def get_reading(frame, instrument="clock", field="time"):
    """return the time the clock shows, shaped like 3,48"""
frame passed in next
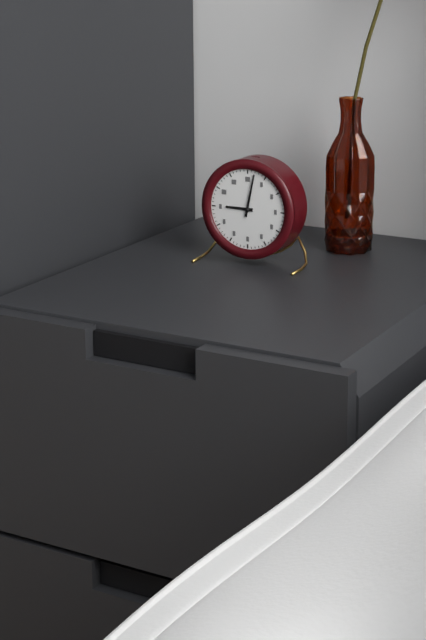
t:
9,02
